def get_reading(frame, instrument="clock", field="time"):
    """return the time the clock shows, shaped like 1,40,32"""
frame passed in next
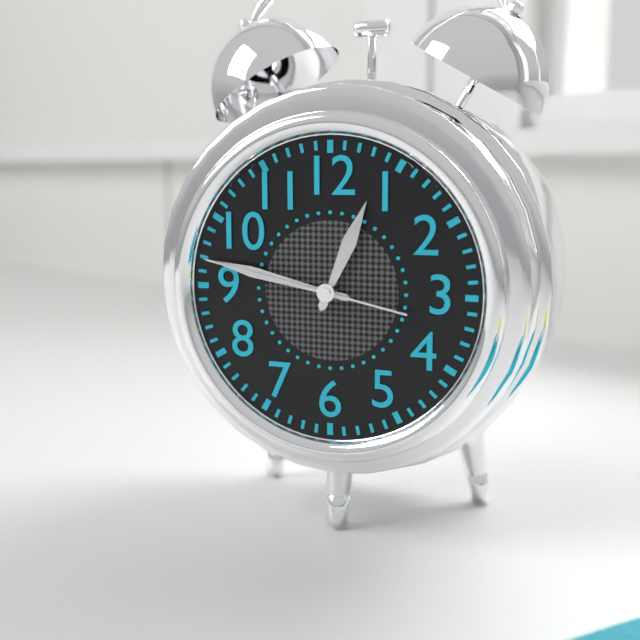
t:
12,47,47
